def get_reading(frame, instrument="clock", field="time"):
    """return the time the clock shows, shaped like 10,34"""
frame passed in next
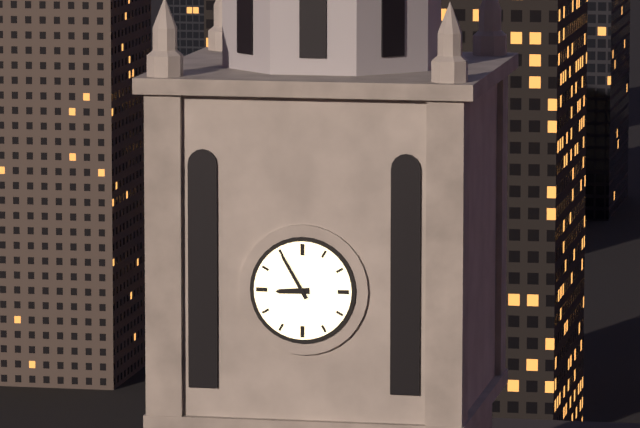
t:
8,55
